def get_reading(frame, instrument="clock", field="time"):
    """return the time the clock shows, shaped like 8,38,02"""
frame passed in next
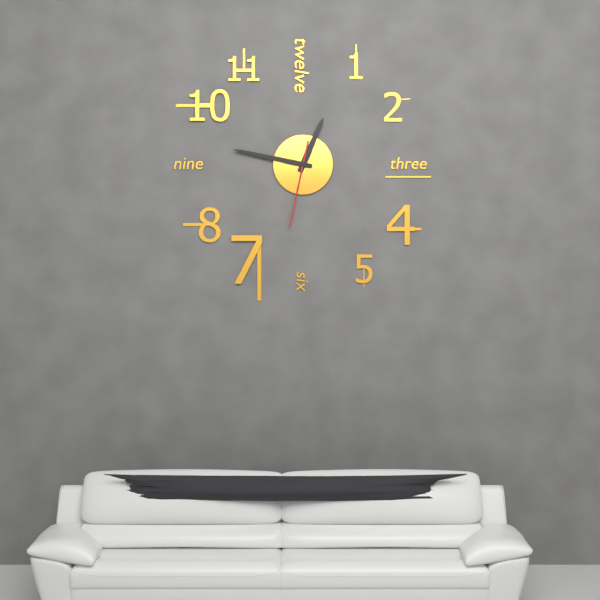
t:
12,47,32
